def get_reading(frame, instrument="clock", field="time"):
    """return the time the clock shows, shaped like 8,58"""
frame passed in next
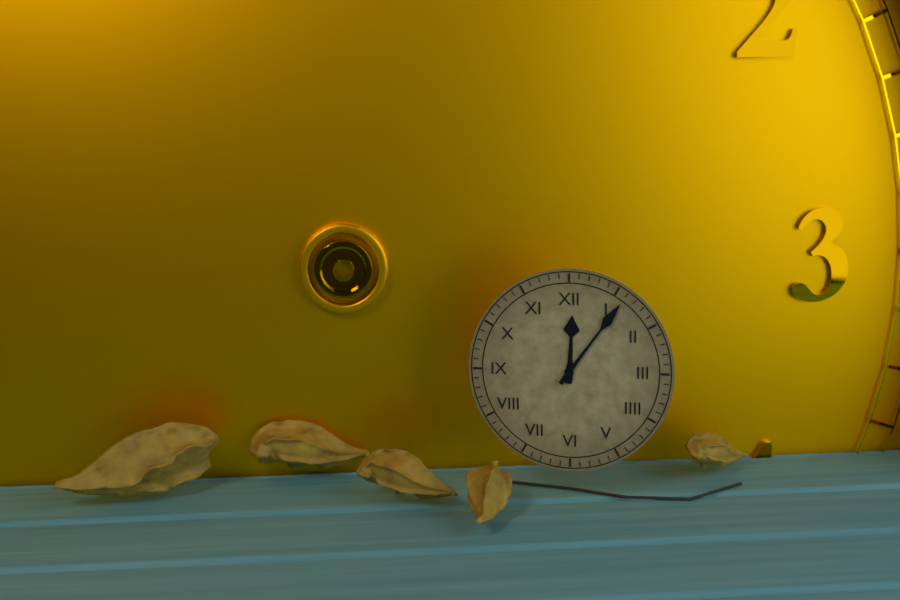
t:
12,06
